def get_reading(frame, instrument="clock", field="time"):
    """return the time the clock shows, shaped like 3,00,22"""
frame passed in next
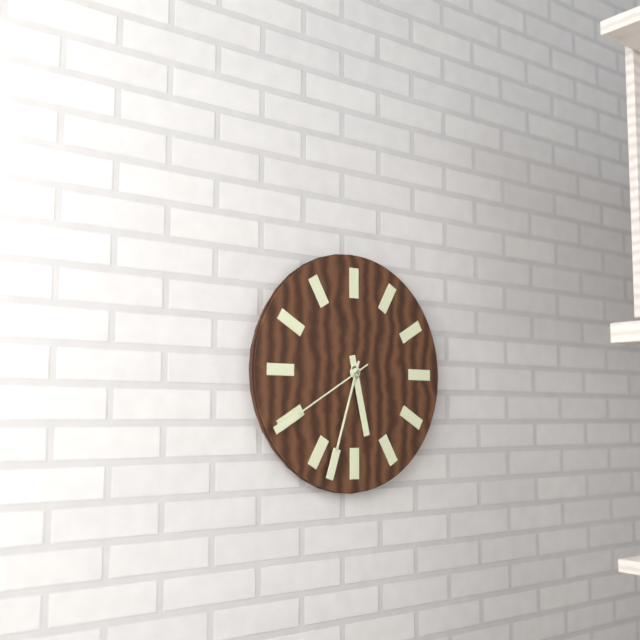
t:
5,33,40
